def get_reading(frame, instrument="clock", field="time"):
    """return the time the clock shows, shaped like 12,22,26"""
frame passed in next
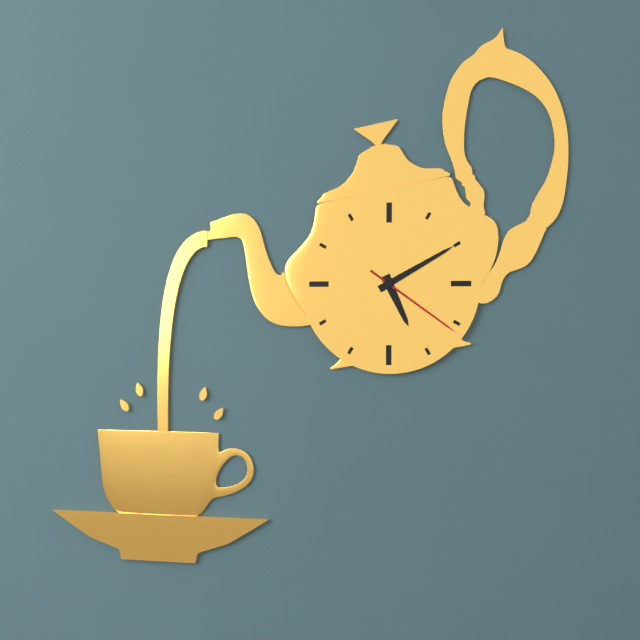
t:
5,10,21
